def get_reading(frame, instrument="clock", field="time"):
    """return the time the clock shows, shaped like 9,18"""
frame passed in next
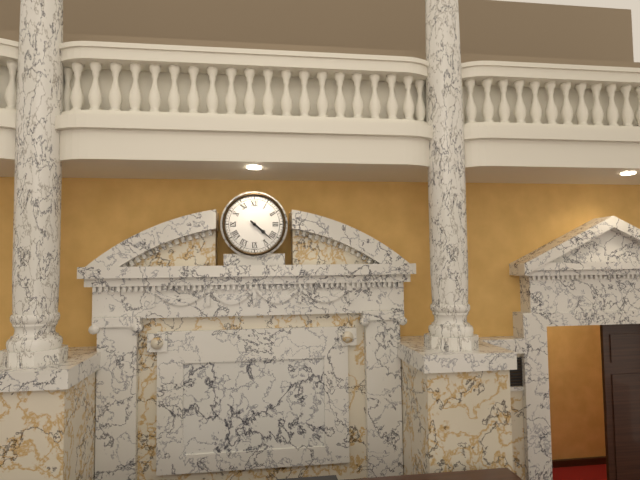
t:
4,22
